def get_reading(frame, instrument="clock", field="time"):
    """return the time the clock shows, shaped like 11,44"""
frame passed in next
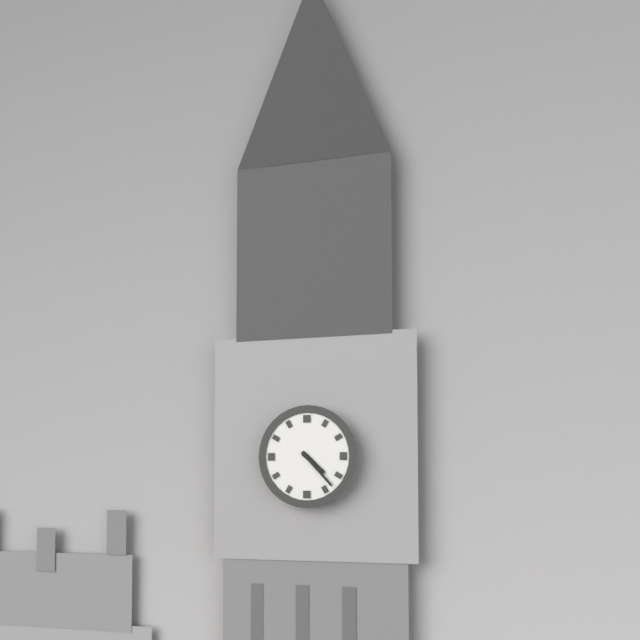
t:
4,23
